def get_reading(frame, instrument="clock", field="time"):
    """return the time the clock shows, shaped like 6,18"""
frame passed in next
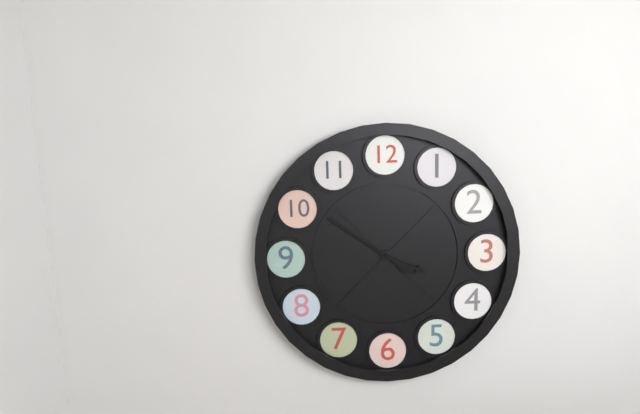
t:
3,51
